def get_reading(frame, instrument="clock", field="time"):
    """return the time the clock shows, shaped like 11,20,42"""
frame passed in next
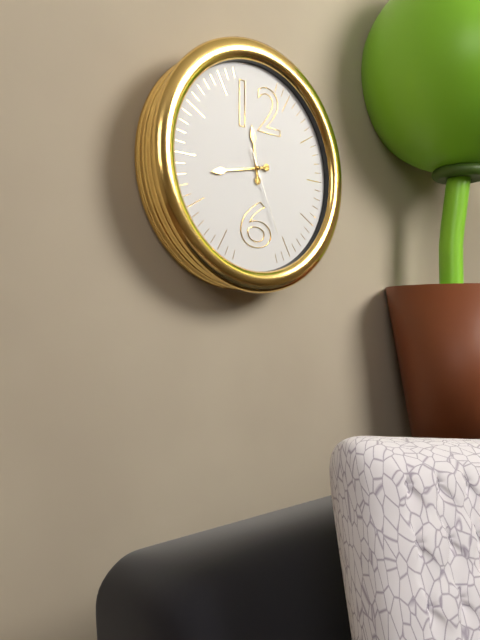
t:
11,43,26
